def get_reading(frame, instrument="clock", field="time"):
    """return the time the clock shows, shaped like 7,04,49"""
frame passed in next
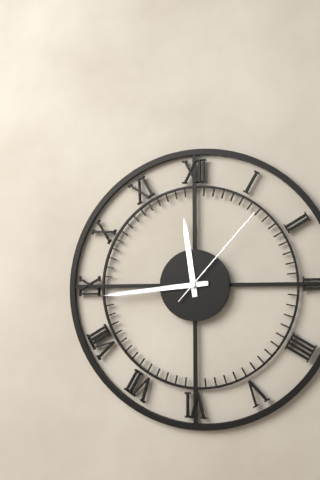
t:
11,44,07
